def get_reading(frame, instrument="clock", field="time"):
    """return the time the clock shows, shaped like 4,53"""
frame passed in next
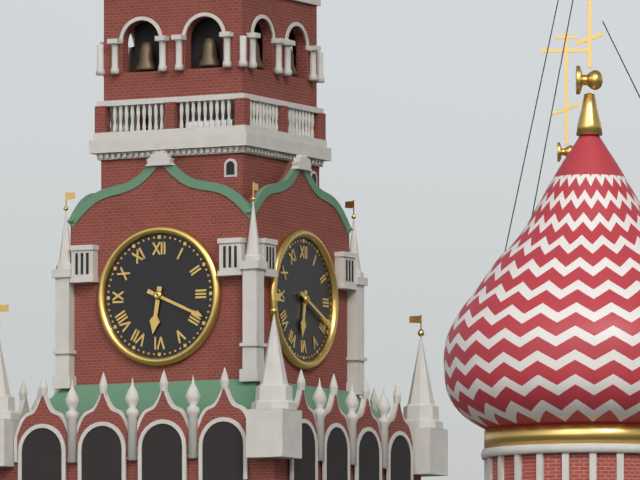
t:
6,19
